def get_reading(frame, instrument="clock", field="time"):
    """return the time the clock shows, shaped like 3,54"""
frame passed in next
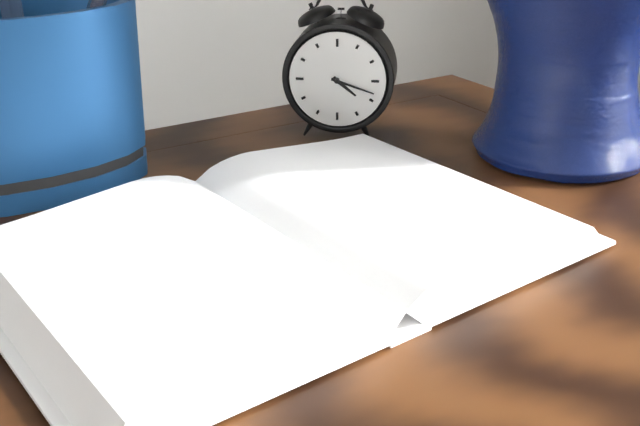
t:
4,18
